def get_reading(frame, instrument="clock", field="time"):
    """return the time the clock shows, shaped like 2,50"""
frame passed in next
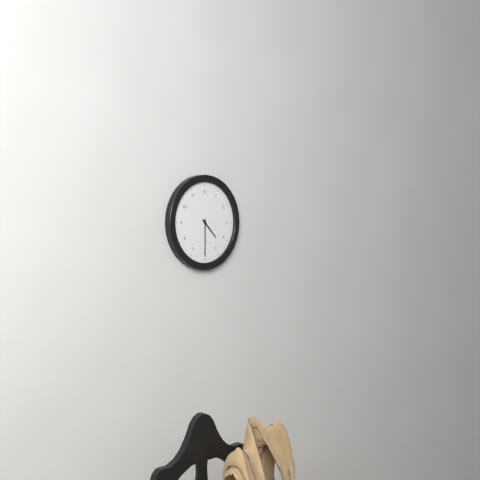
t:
4,30
